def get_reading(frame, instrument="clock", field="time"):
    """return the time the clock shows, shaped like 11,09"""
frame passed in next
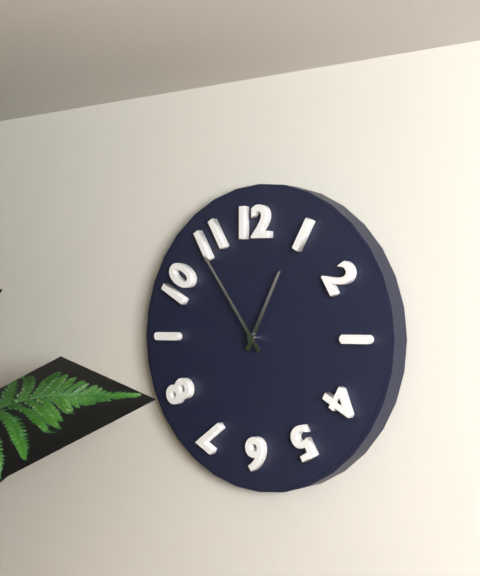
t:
12,54
